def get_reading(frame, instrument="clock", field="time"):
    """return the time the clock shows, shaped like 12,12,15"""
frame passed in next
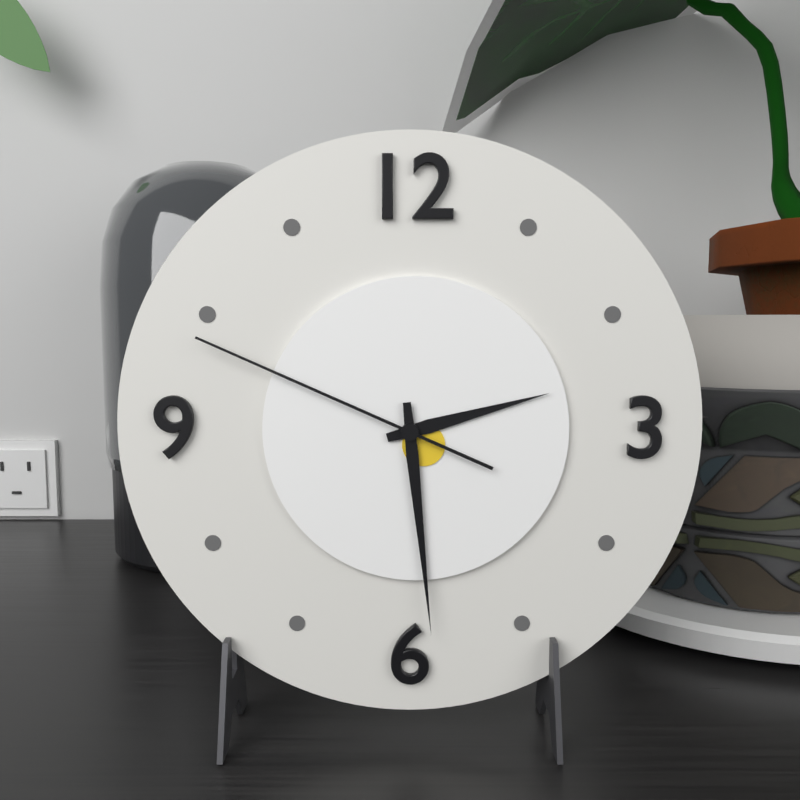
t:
2,29,49
